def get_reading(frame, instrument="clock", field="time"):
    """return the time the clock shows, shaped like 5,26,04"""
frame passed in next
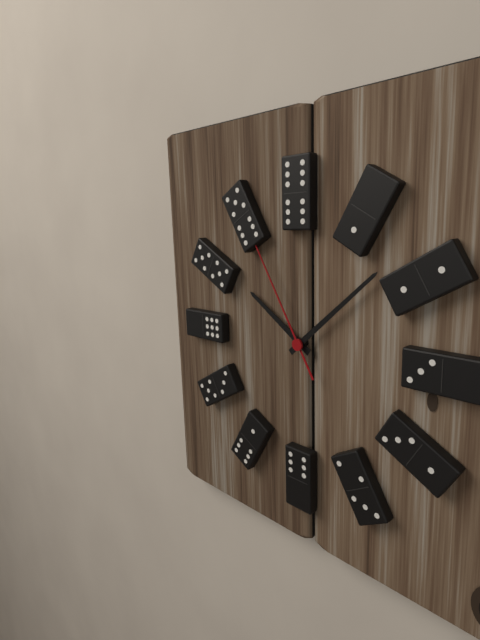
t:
10,08,55
